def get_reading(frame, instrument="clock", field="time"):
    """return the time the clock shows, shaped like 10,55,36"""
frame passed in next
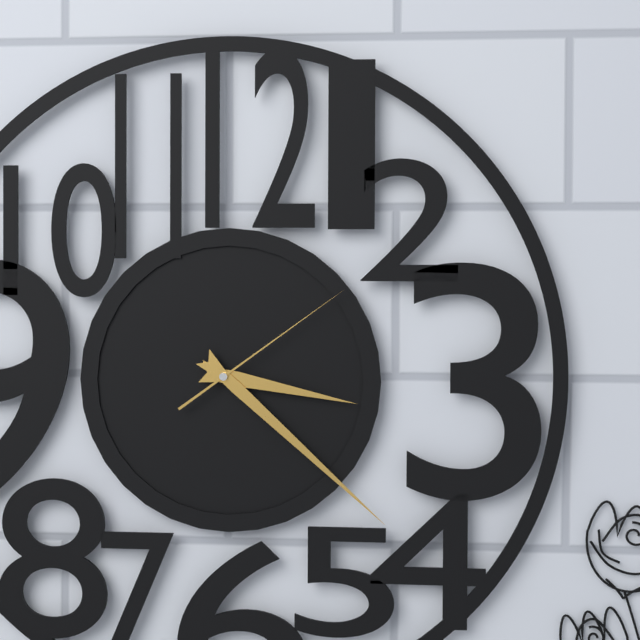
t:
3,22,09
